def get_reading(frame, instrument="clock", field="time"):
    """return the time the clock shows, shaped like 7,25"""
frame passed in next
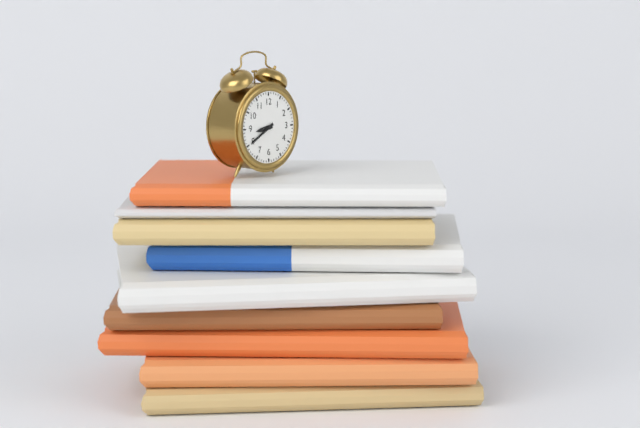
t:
8,40
